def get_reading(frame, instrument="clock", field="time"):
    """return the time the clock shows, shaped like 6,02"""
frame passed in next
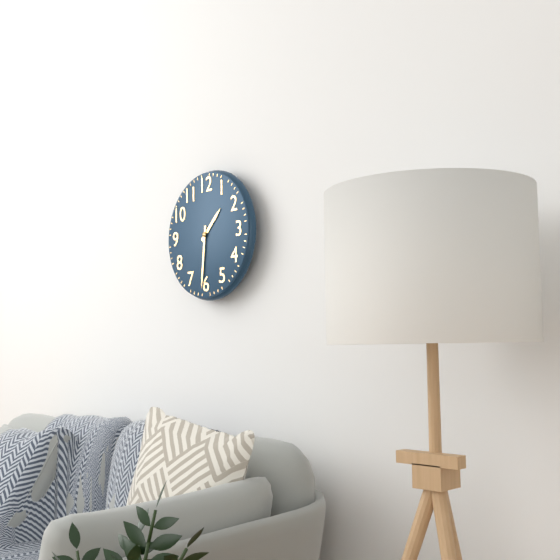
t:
1,31
